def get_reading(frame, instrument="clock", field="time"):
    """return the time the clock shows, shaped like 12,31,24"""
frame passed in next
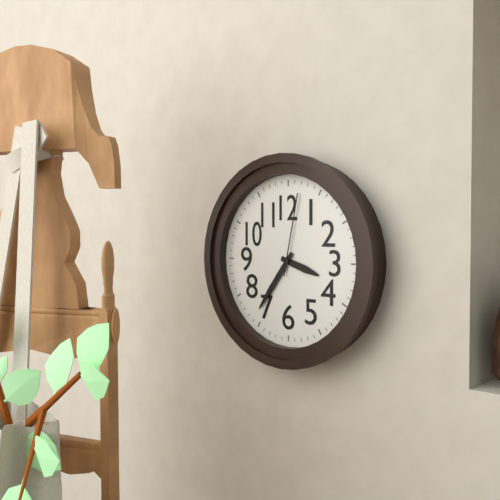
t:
3,36,02
